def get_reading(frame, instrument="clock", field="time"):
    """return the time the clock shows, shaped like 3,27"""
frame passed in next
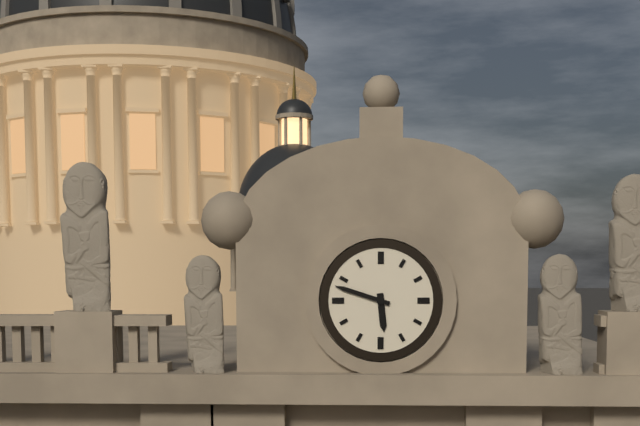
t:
5,48
